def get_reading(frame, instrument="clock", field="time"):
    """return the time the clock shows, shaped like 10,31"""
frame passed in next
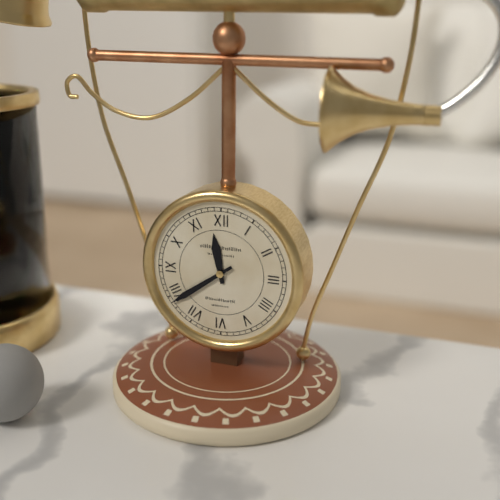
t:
11,39
